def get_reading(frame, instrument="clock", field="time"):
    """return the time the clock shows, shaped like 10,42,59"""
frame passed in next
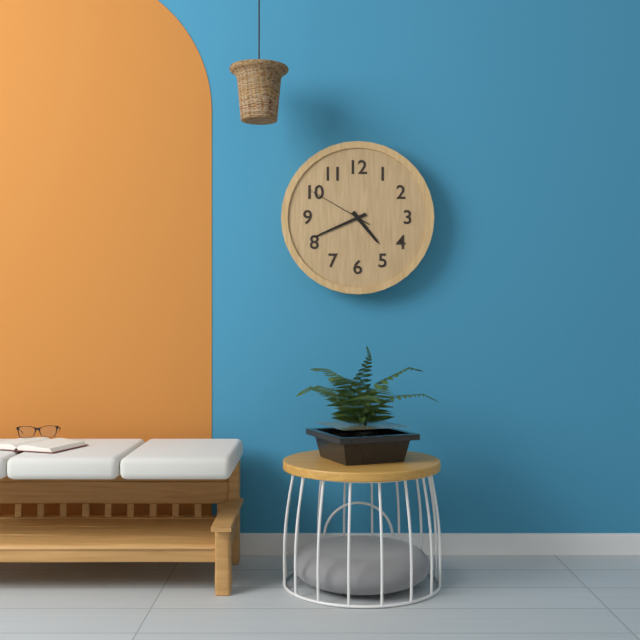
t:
4,41,50
